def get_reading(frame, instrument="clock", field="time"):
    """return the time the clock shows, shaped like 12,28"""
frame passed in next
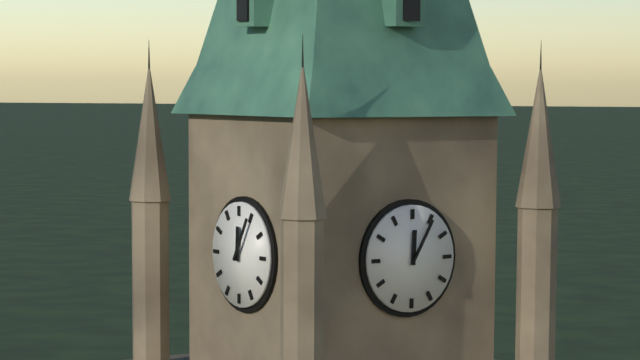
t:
12,05
